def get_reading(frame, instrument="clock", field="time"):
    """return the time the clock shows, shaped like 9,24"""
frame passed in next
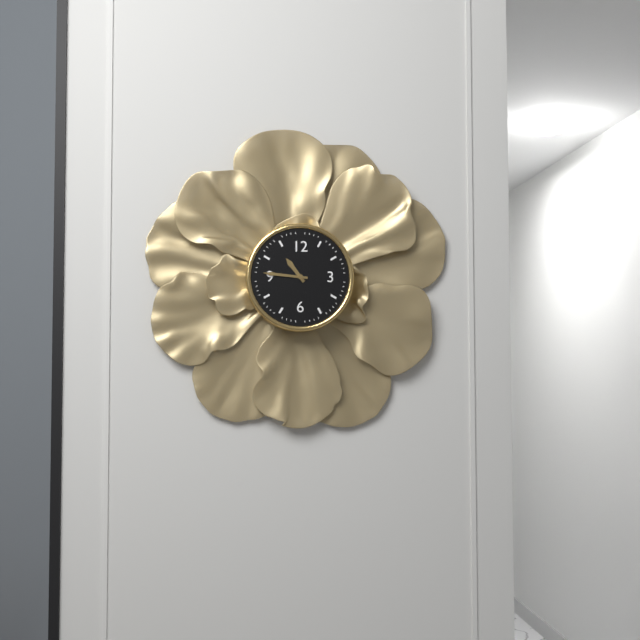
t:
10,46
